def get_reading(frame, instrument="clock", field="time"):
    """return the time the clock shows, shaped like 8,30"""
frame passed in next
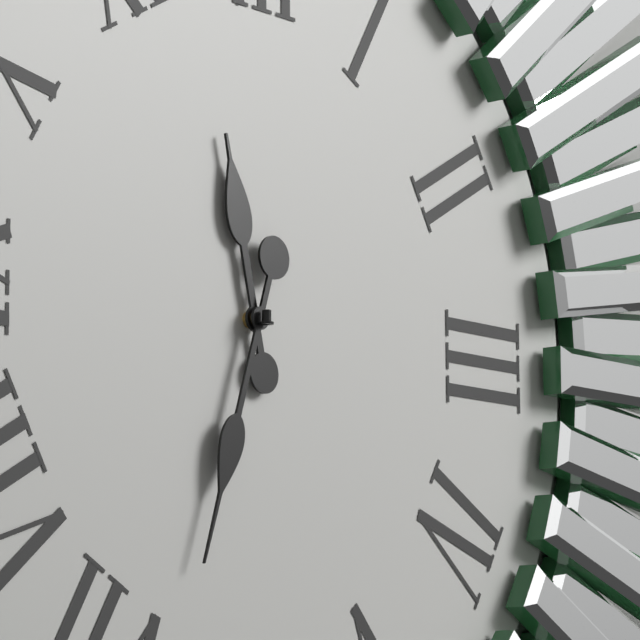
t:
11,33
